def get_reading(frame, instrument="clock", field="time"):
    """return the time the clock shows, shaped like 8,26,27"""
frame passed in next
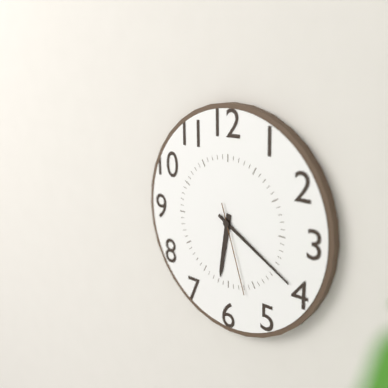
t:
6,20,27
